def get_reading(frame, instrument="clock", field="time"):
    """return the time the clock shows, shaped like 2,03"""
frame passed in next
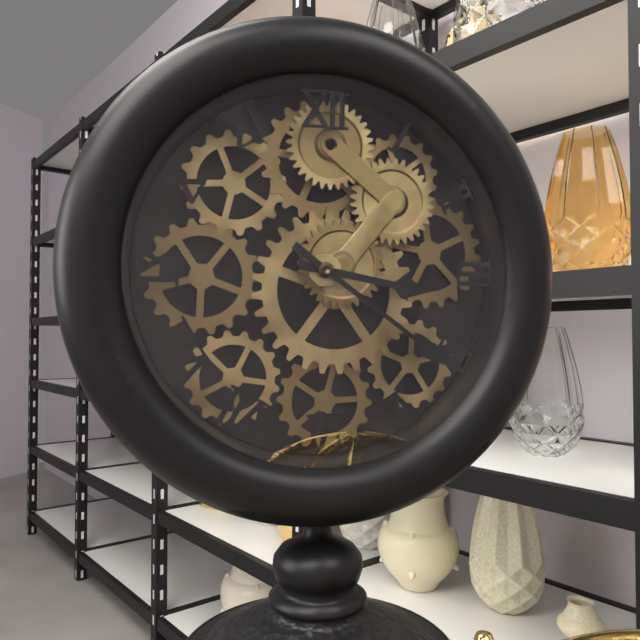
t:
3,21
